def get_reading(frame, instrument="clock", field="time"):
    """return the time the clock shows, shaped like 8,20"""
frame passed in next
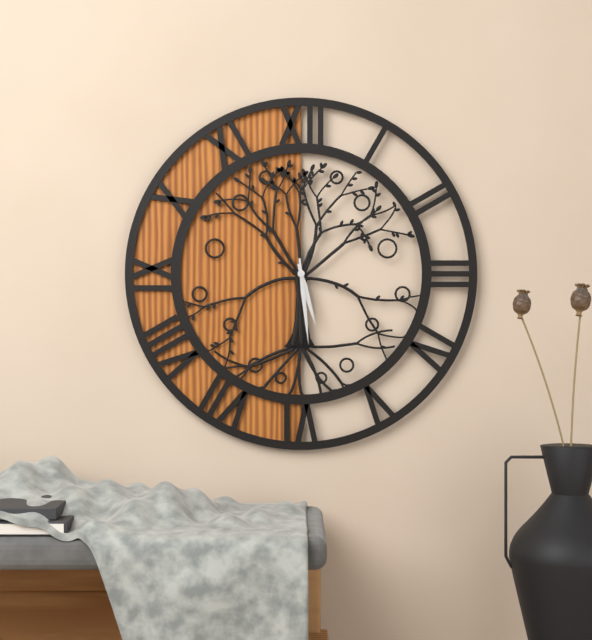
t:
5,29
